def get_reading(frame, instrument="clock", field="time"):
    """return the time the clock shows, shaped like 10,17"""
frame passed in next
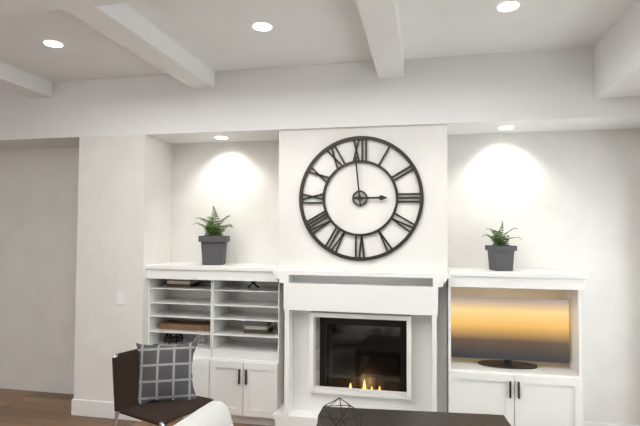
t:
2,59
